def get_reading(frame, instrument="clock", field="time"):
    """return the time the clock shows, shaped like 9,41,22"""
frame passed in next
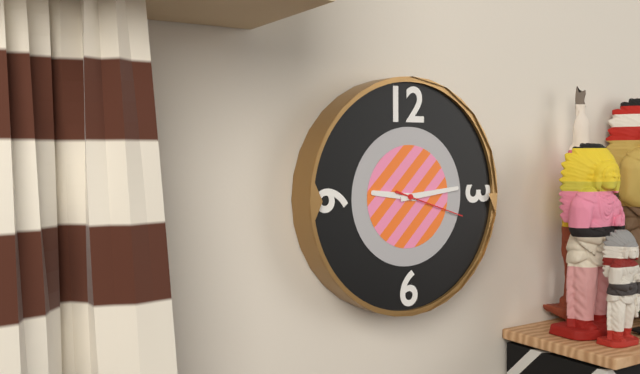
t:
9,14,18
